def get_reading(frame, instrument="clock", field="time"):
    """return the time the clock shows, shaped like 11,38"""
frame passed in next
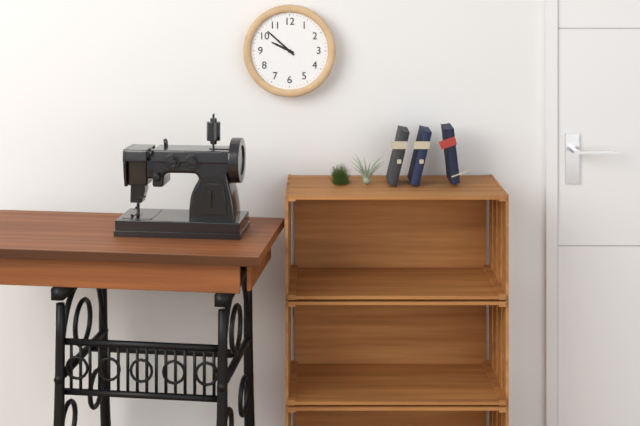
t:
9,52
